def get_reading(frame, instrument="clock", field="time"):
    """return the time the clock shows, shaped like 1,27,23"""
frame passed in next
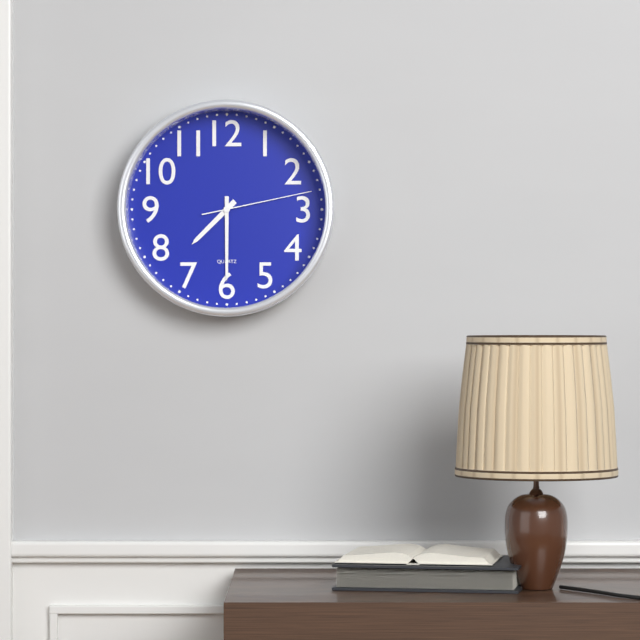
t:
7,30,13
